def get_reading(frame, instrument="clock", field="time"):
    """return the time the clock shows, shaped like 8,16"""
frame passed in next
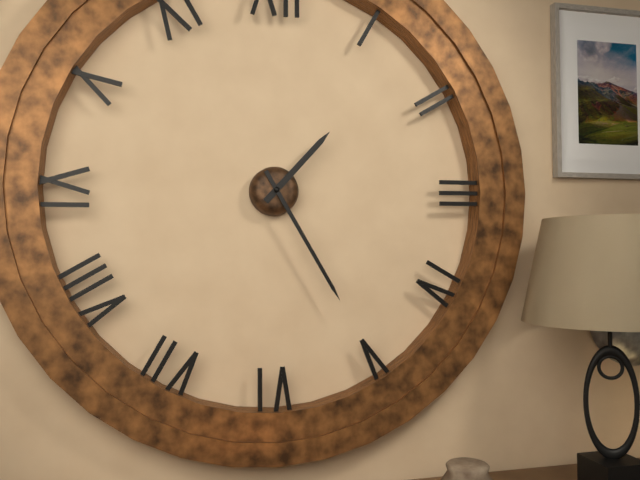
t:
1,25
